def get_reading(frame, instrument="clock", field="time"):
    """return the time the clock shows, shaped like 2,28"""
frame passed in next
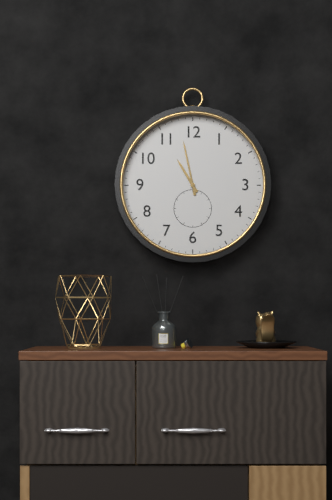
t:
10,58
